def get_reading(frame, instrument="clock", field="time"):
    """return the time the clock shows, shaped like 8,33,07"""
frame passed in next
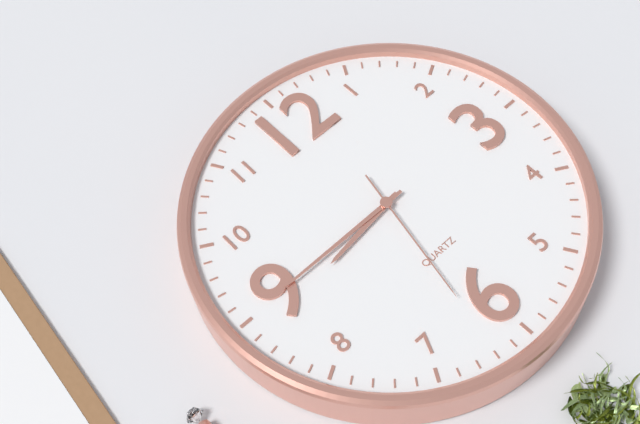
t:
8,45,32
